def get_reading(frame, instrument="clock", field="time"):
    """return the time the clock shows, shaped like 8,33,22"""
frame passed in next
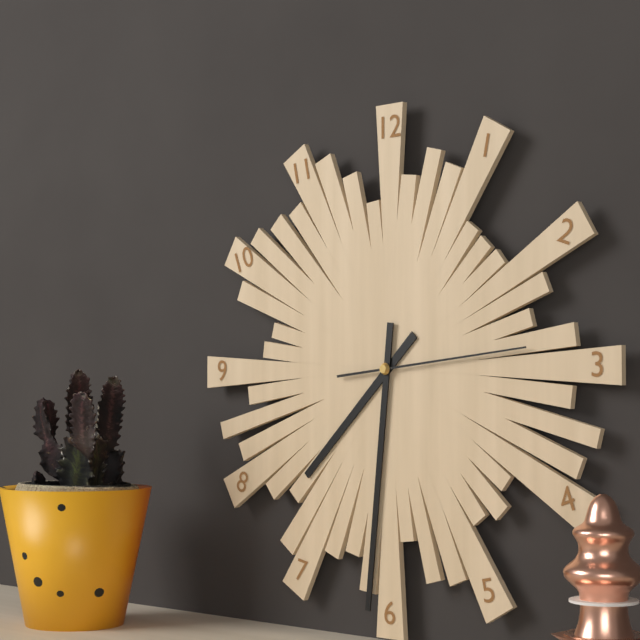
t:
7,31,14
